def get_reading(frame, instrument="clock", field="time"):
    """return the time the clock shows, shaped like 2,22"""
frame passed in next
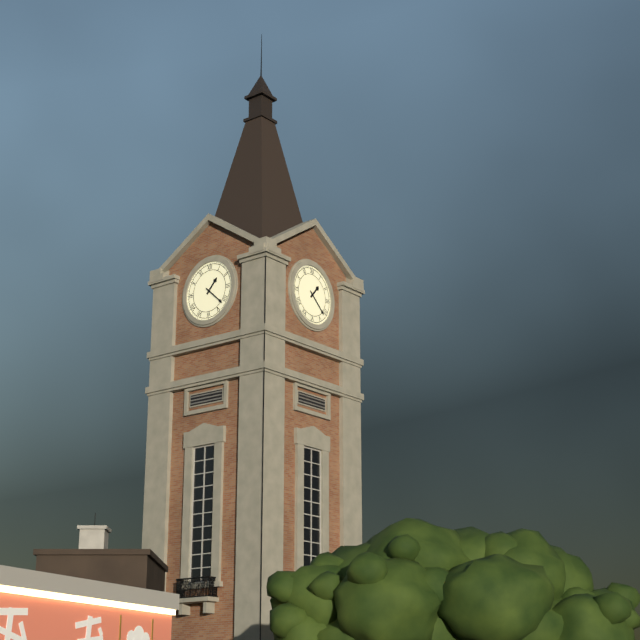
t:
1,22
